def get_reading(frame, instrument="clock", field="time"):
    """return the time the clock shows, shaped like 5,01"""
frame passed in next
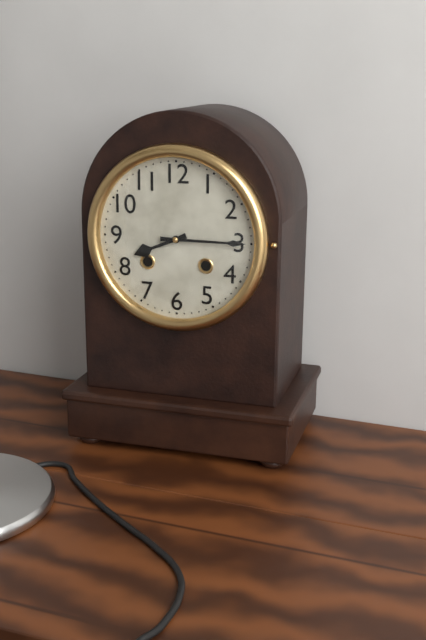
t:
8,15
